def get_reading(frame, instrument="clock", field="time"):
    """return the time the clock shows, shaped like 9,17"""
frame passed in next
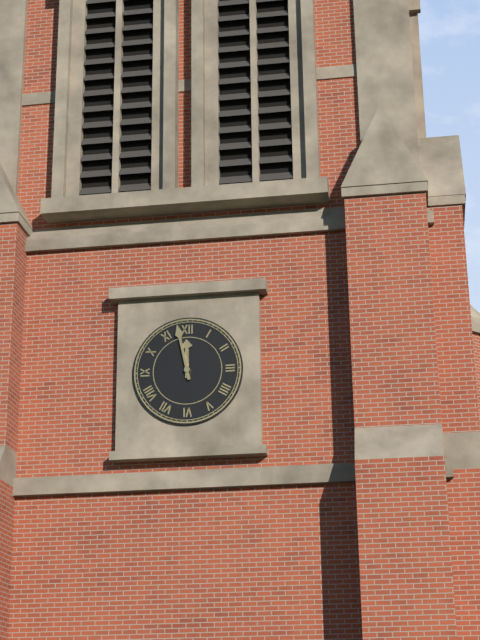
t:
11,58
